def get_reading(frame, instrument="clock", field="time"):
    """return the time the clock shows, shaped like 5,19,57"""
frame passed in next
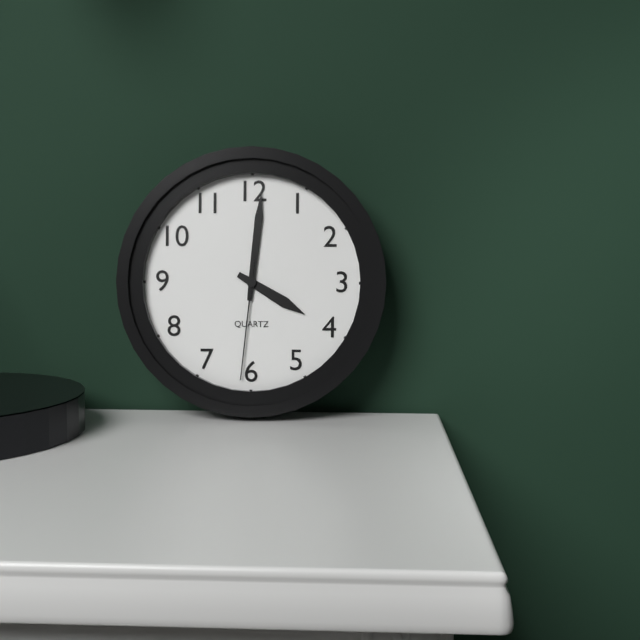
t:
4,01,31
